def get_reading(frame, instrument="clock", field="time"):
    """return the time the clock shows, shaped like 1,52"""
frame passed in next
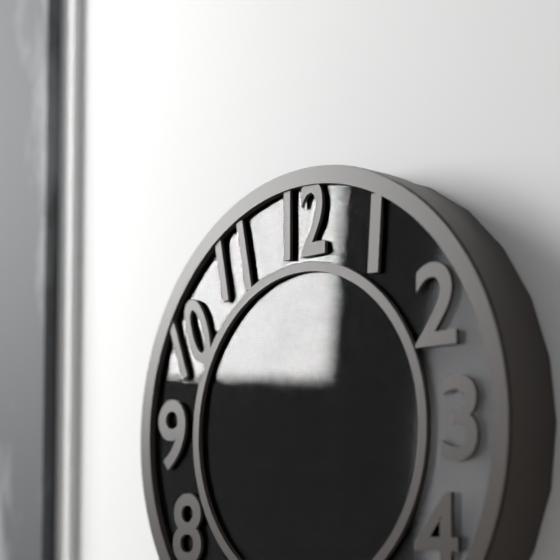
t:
12,43
